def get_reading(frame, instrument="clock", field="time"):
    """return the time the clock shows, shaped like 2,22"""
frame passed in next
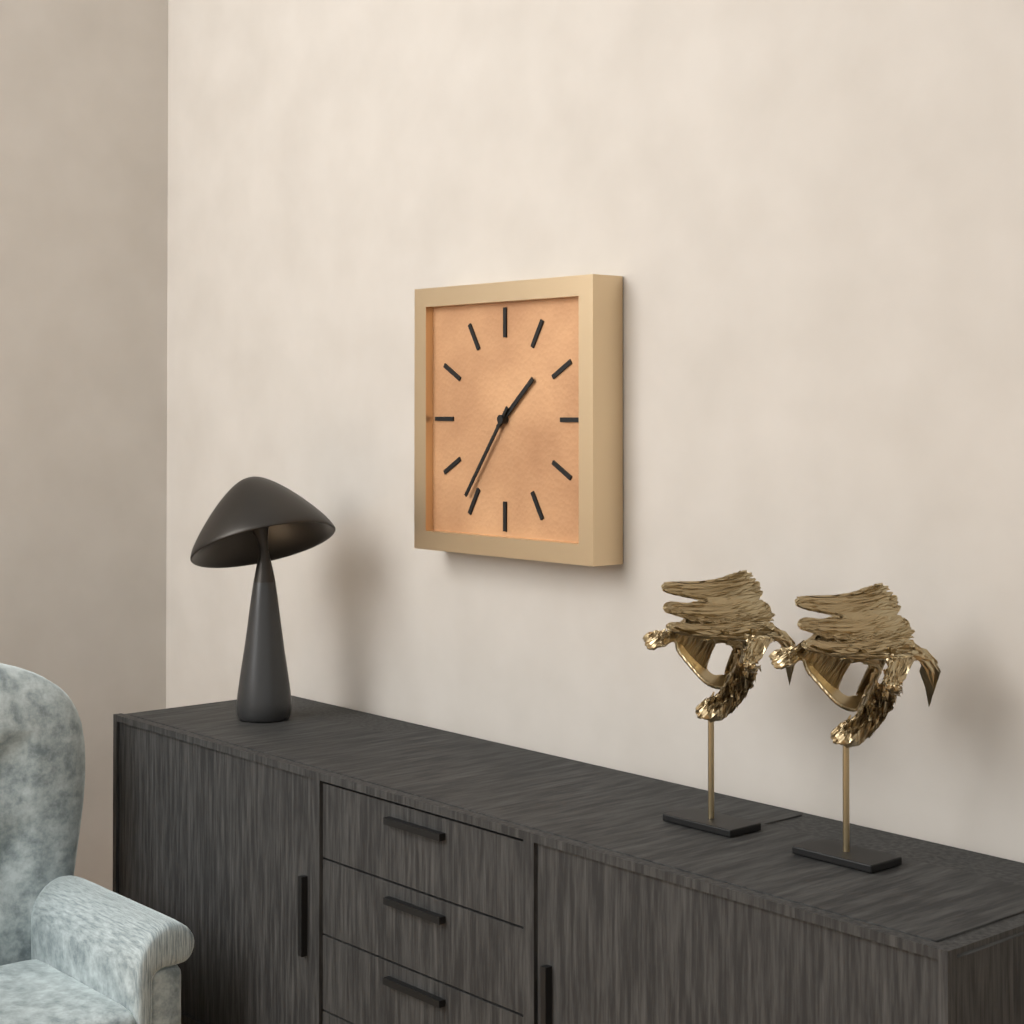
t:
1,36
